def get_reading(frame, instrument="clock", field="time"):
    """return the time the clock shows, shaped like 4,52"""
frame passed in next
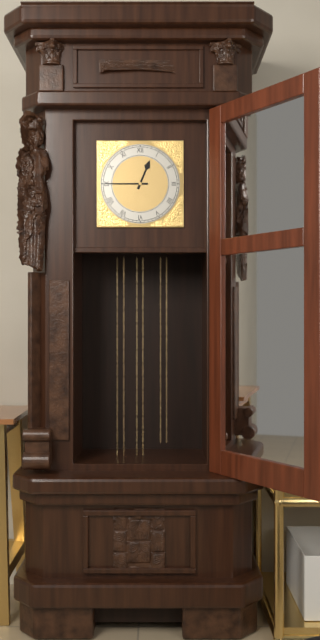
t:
12,45
